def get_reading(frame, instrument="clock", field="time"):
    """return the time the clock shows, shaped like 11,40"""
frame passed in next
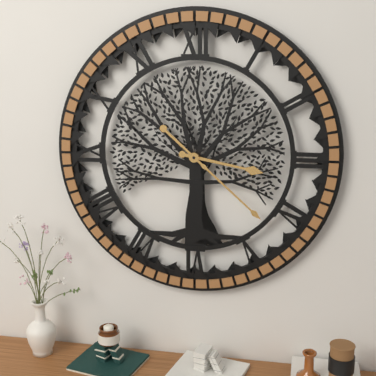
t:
3,22
